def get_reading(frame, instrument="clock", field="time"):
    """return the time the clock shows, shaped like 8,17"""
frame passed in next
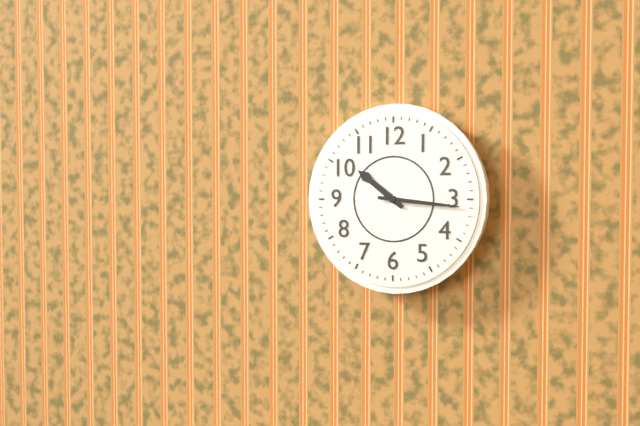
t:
10,16
